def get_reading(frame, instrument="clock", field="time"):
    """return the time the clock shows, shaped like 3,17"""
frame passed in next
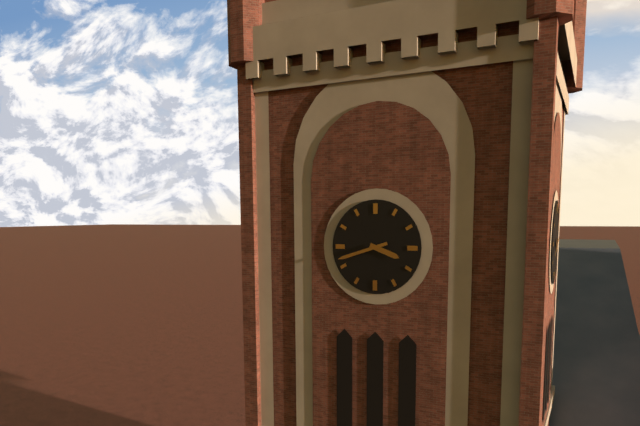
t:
3,42
